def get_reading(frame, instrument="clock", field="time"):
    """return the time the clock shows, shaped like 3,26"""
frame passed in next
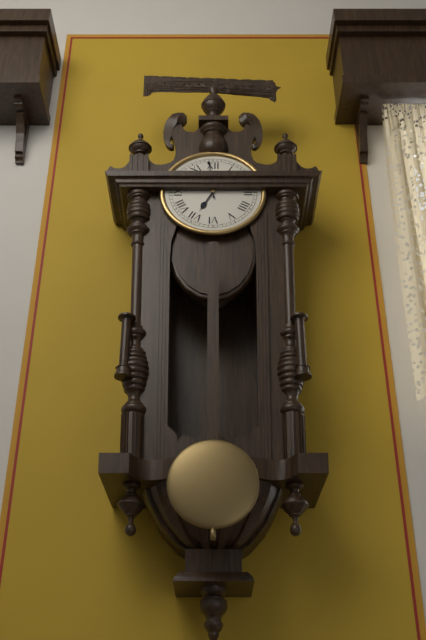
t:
6,59
